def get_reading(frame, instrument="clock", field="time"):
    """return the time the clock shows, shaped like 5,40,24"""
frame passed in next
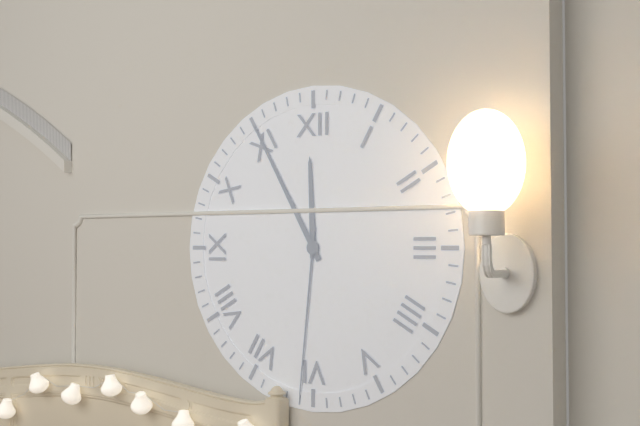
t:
11,55,31
